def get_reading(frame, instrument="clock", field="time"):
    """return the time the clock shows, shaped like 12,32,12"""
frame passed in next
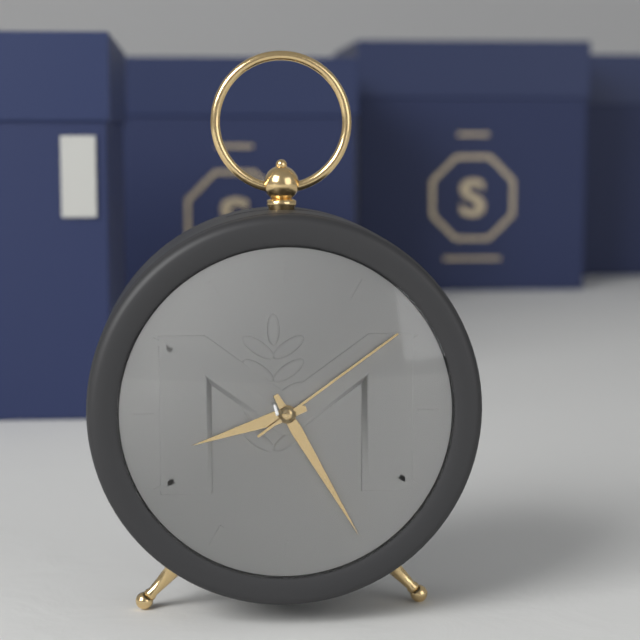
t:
8,25,09
